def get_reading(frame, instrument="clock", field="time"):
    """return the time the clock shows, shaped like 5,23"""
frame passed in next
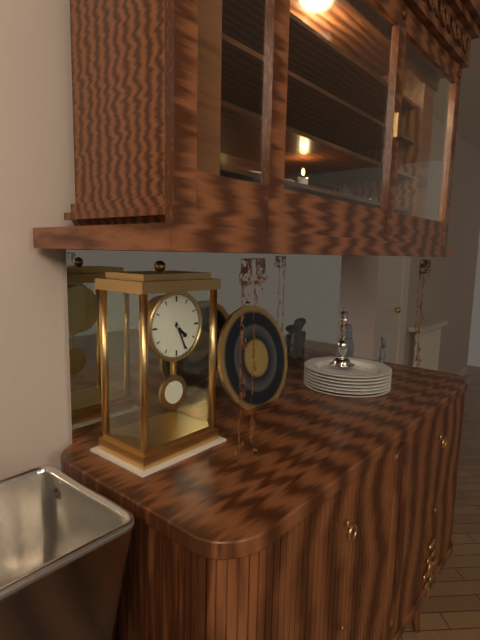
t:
4,26
